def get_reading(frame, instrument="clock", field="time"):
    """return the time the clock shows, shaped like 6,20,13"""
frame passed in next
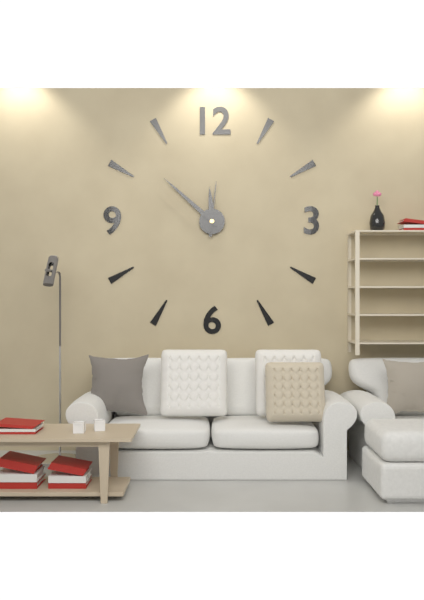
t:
11,52,01
